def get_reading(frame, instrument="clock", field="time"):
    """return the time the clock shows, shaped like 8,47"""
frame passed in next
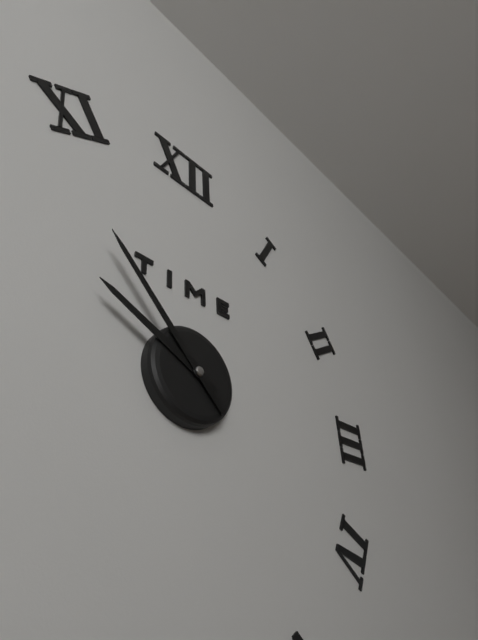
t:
9,53
